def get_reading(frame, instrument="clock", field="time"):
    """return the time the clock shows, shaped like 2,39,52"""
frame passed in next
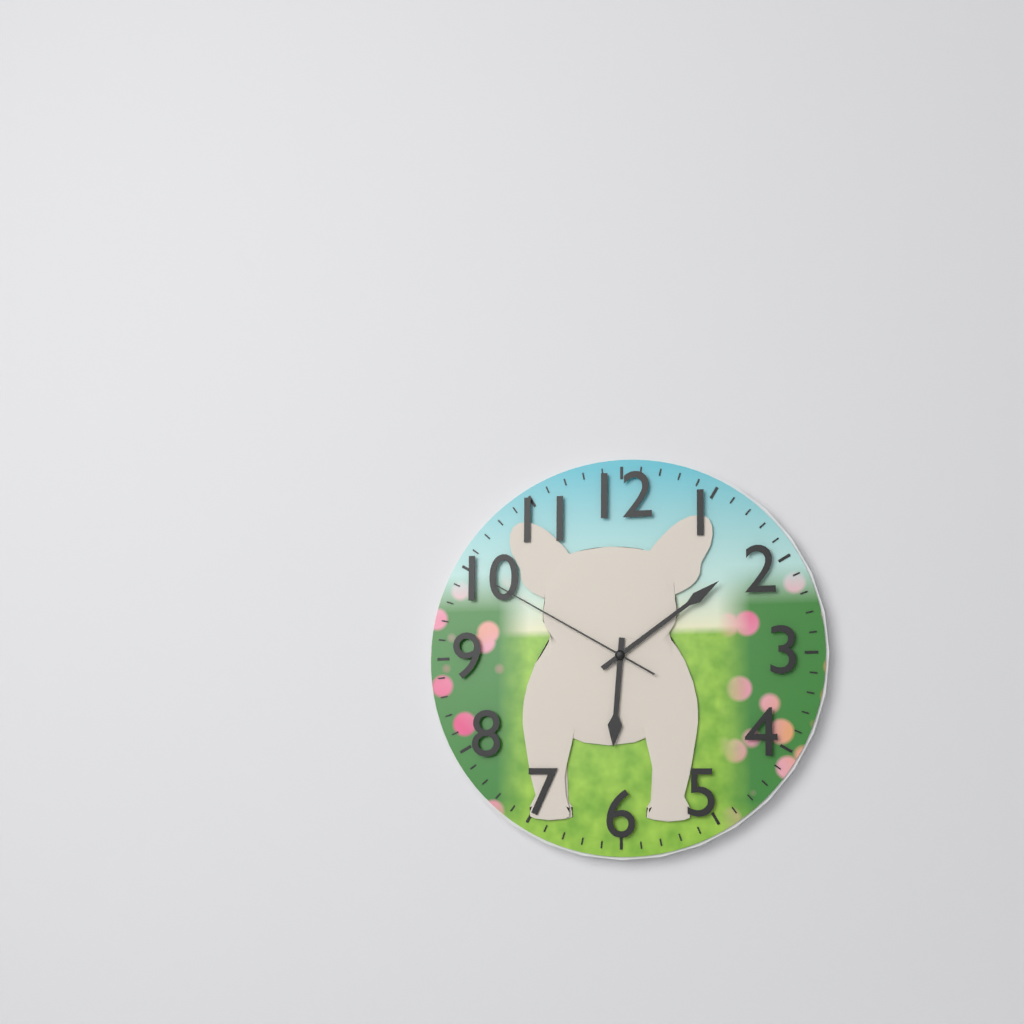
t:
6,09,50
